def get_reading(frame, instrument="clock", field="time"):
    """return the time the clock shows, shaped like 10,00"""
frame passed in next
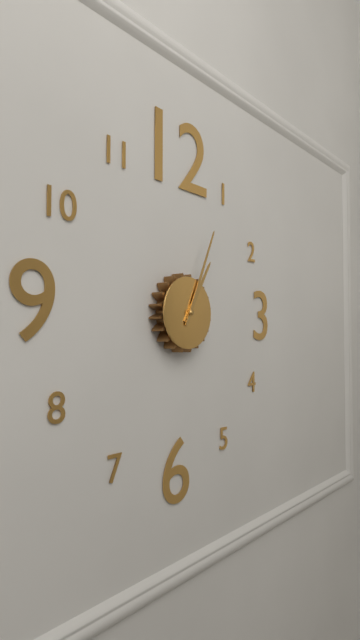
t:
1,04
